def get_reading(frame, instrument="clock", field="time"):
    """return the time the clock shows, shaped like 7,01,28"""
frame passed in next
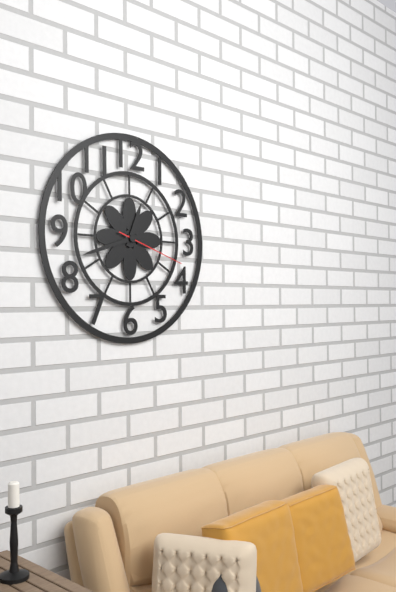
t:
12,42,18
